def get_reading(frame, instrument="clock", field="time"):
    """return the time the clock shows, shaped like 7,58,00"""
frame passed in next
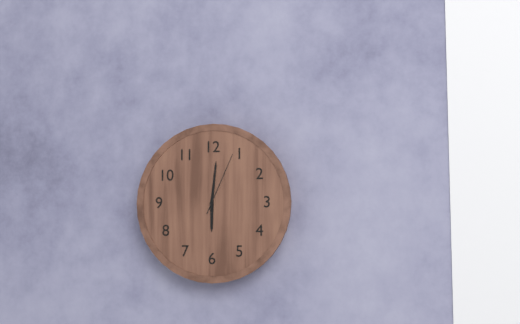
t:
6,01,04
